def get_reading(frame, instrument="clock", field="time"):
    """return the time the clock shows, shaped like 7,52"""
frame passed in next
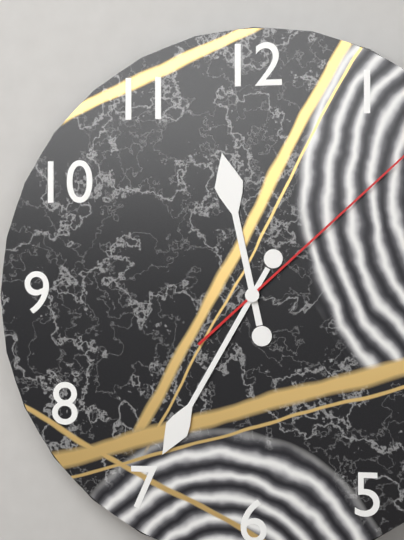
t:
11,35
